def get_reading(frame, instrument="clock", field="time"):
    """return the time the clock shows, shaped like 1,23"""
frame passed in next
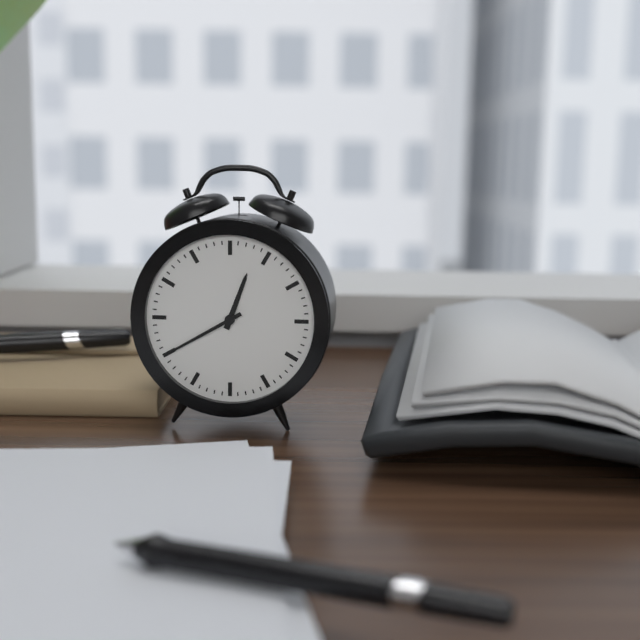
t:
12,40
